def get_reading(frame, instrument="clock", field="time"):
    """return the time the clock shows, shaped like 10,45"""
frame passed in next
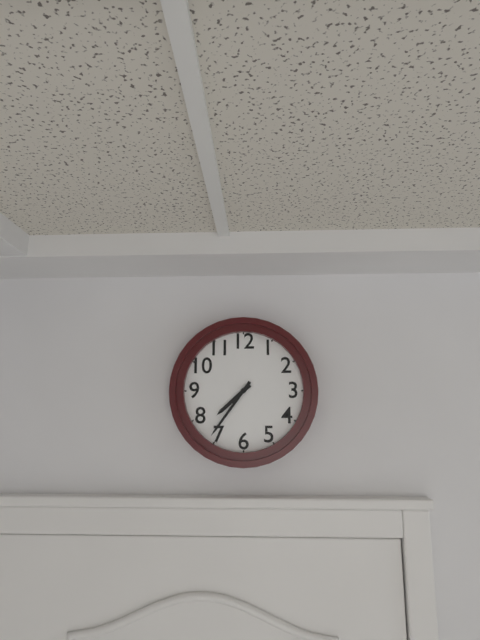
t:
7,36
